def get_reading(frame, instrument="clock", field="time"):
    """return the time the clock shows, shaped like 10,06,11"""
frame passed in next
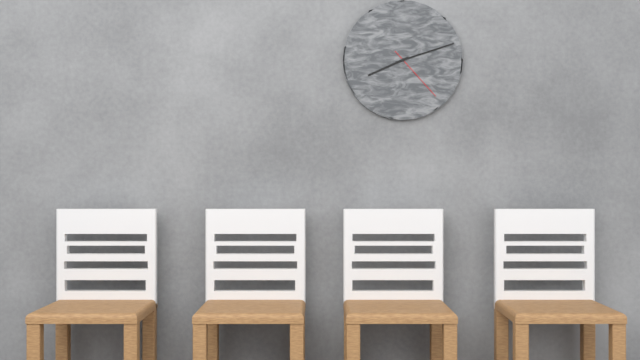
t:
8,12,23
